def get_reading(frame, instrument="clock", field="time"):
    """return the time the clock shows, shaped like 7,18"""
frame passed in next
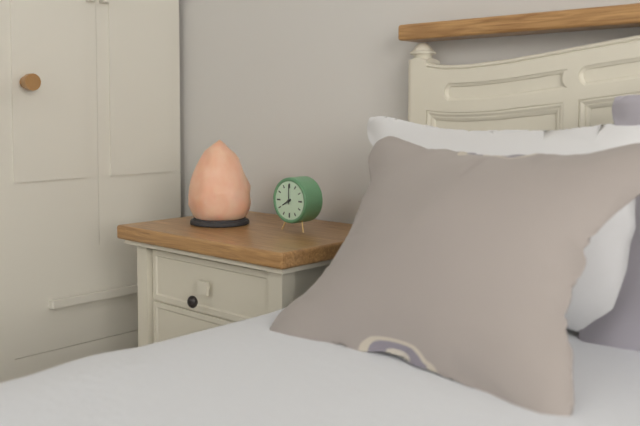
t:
8,00
